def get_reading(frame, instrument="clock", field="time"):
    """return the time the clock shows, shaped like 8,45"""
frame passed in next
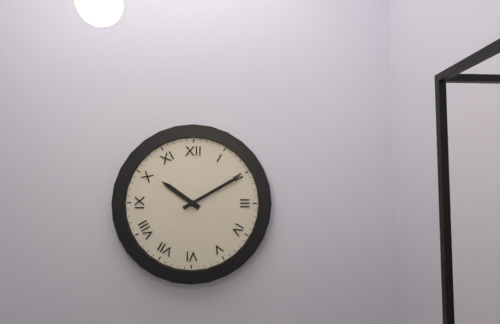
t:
10,10
